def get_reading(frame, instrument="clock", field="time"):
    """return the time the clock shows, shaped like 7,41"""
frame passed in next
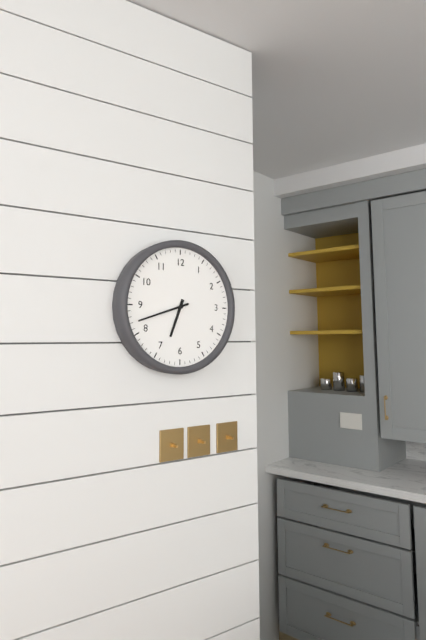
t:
6,42
